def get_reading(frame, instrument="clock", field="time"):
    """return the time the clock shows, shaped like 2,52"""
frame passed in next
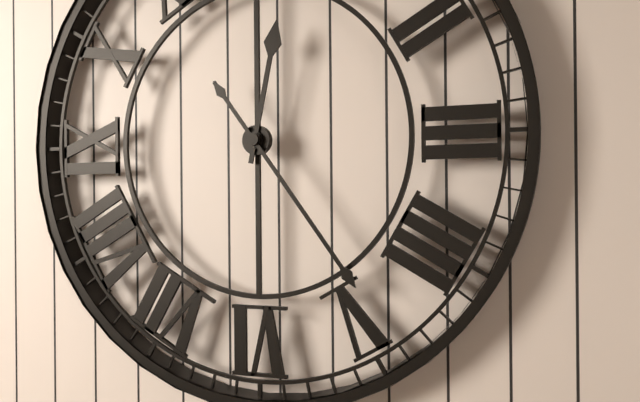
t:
12,24
